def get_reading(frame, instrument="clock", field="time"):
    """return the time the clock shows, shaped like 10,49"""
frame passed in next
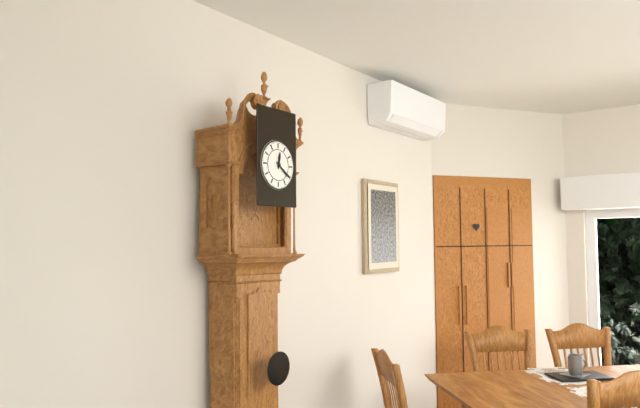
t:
12,21
